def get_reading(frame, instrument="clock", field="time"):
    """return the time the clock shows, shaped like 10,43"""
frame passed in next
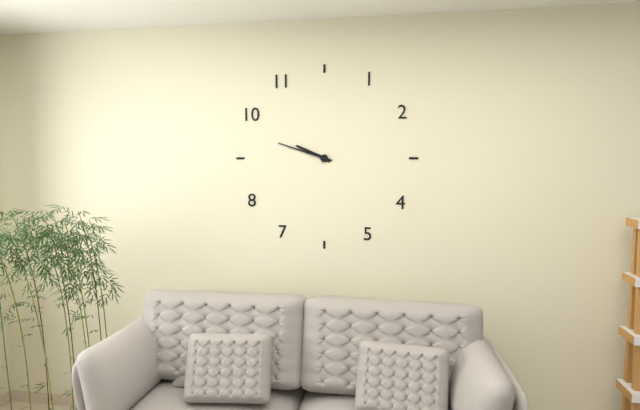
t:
9,48
